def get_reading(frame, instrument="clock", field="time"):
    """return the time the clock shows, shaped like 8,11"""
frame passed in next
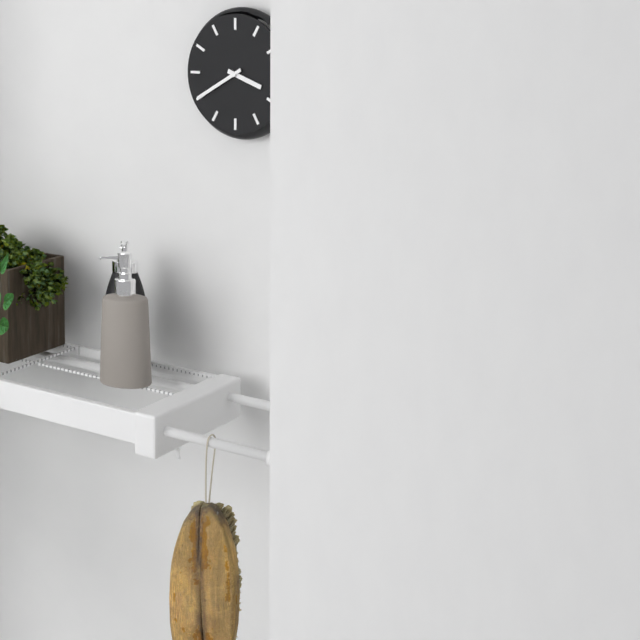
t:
3,40
